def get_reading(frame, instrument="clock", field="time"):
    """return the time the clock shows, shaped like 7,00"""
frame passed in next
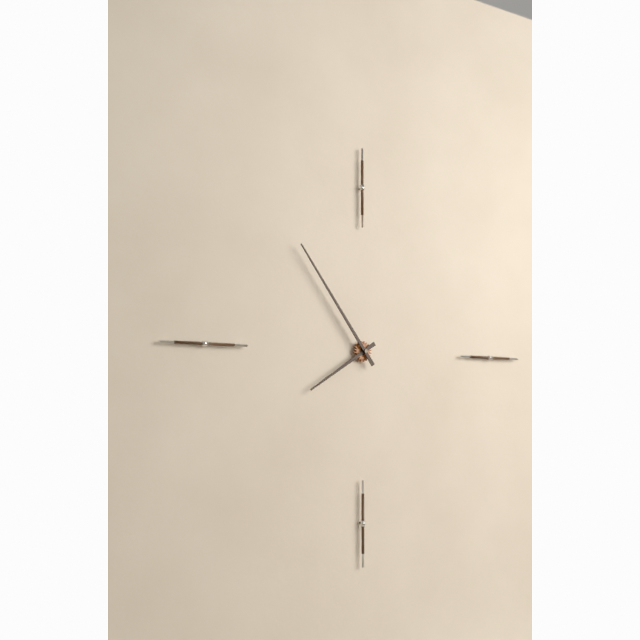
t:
7,54
